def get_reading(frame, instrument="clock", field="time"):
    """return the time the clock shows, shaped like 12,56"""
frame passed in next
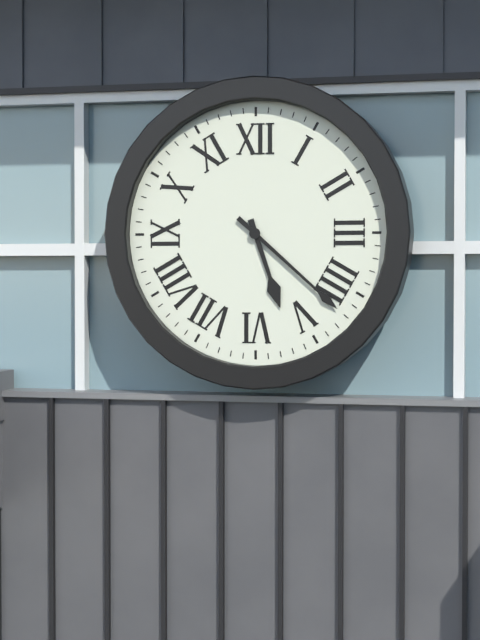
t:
5,22
